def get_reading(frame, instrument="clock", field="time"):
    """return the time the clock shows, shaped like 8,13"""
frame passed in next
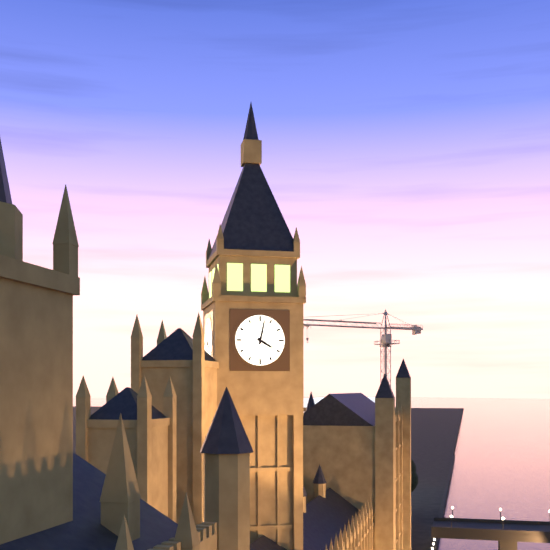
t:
4,02
